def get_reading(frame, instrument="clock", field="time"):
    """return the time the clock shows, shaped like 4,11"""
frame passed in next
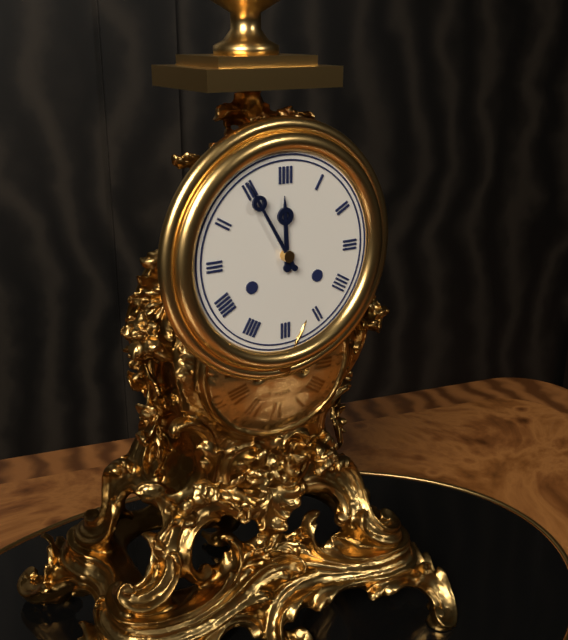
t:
11,55
